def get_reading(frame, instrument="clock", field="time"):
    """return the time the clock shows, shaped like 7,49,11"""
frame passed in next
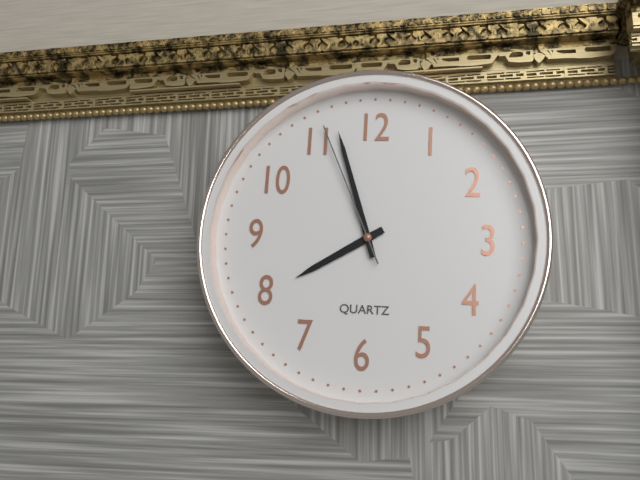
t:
7,57,56
